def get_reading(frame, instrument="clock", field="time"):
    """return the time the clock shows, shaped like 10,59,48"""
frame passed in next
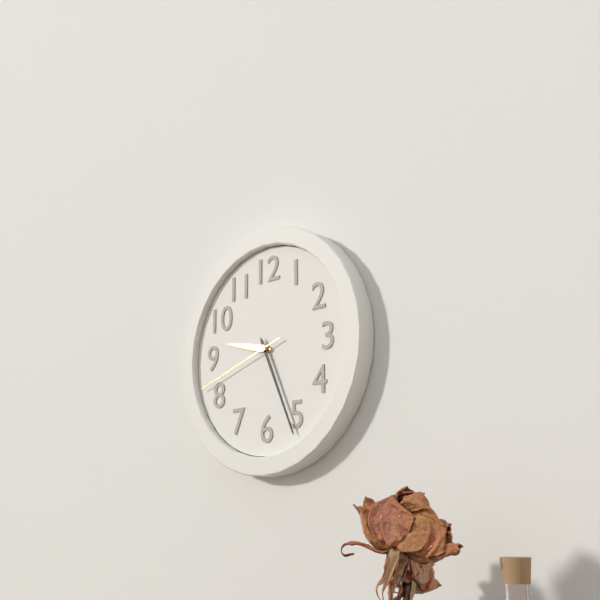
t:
9,26,42
